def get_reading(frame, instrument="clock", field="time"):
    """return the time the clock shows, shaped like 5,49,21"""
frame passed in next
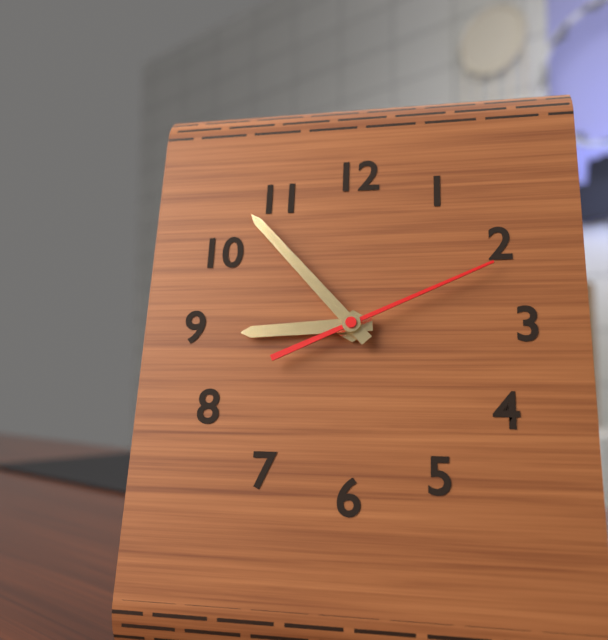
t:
8,53,11
